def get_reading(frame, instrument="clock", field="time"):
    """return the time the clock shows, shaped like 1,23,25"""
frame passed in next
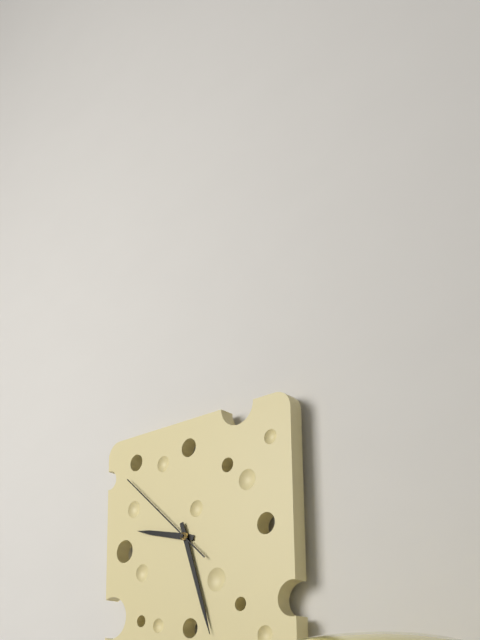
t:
9,27,52
